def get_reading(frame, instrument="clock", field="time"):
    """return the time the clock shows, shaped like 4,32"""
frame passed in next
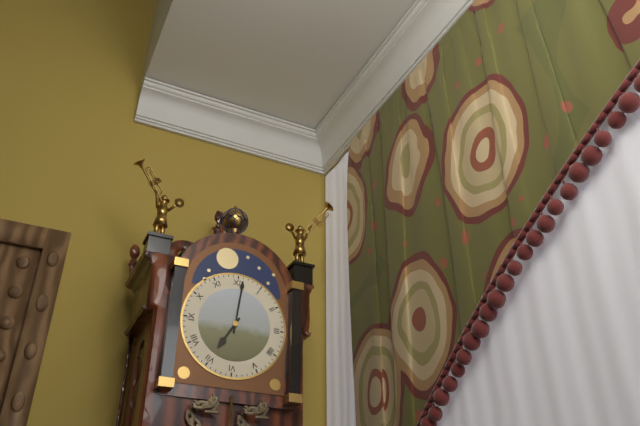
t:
7,01
